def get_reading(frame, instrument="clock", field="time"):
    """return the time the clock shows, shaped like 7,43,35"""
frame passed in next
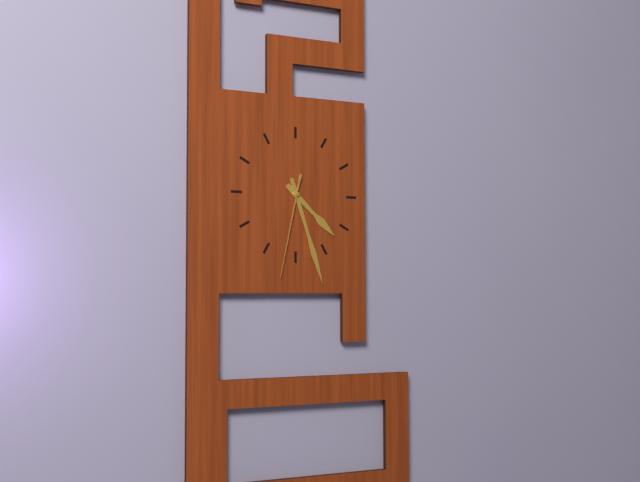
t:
4,27,32
